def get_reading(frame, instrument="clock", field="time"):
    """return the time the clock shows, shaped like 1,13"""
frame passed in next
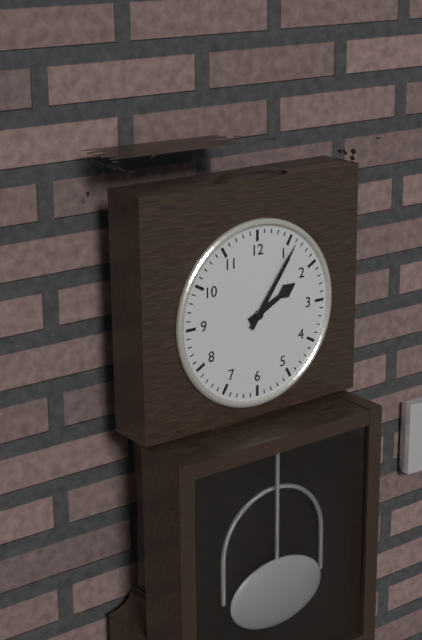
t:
2,06
